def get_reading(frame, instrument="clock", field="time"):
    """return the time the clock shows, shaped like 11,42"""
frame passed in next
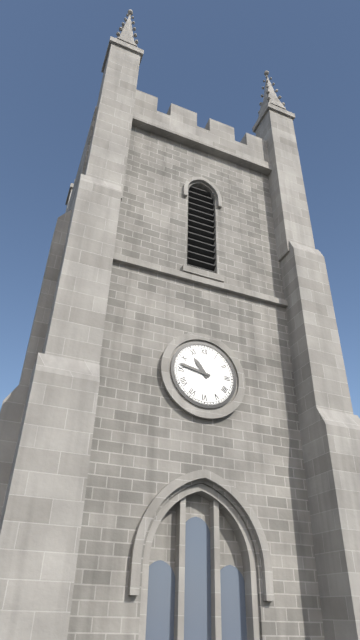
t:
10,47
